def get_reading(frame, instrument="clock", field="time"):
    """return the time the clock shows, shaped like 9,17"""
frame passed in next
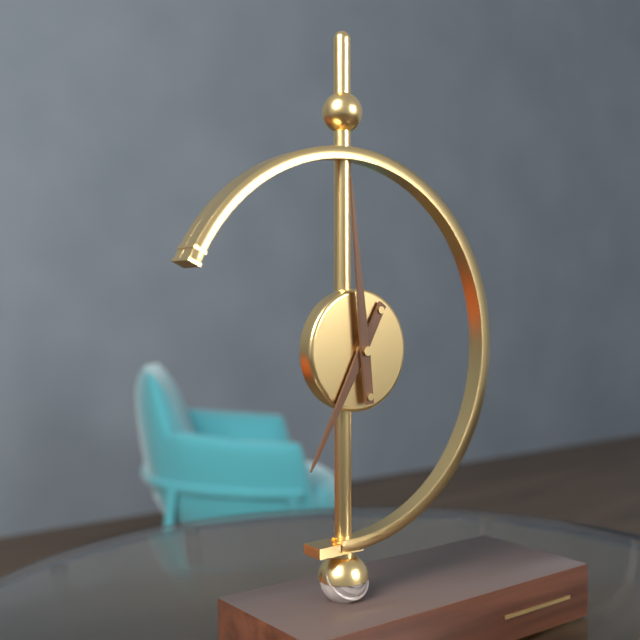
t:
6,59
